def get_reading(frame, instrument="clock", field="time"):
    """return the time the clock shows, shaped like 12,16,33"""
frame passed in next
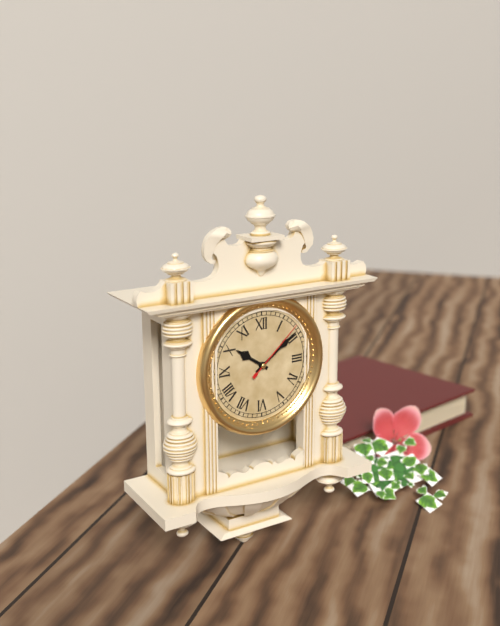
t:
10,09,08
